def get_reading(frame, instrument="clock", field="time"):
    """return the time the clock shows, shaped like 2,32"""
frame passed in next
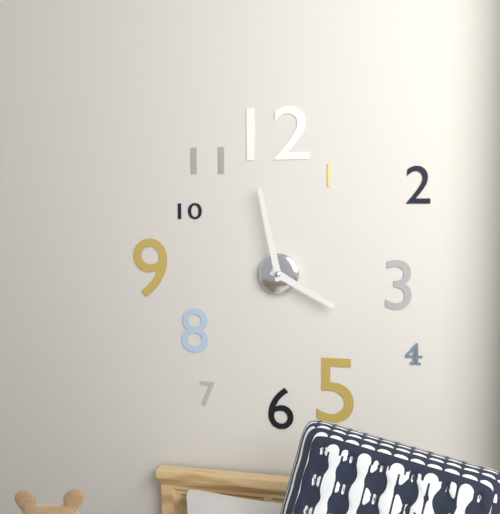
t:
3,58
